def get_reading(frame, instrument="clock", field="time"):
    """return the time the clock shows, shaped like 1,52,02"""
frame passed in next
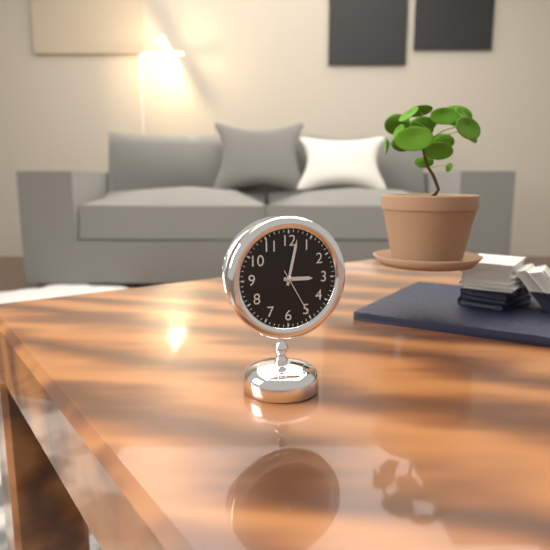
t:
3,02,25
